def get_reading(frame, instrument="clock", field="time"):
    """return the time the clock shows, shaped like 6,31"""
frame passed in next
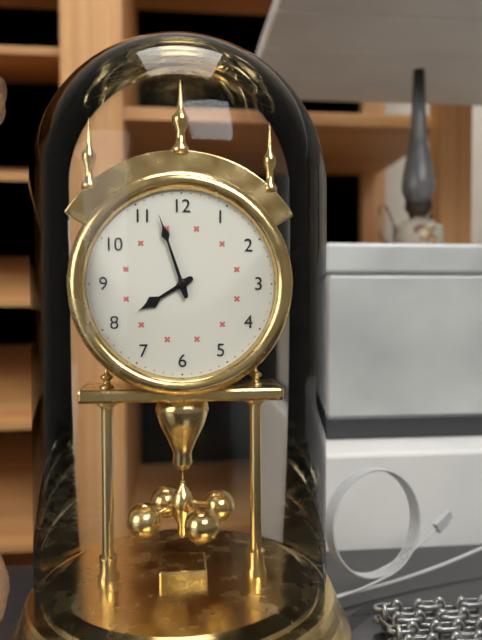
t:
7,57
